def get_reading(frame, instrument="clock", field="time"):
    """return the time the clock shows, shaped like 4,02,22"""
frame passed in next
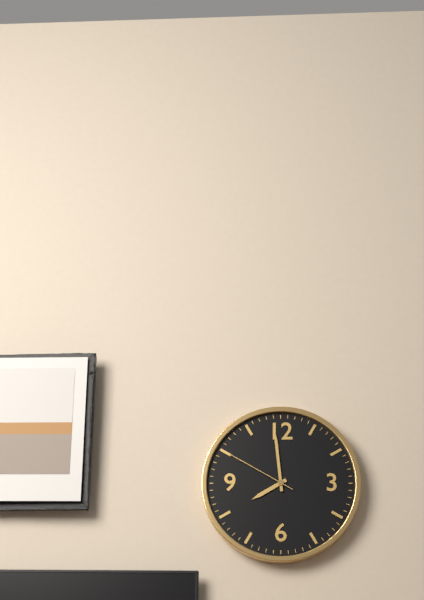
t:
7,59,50
